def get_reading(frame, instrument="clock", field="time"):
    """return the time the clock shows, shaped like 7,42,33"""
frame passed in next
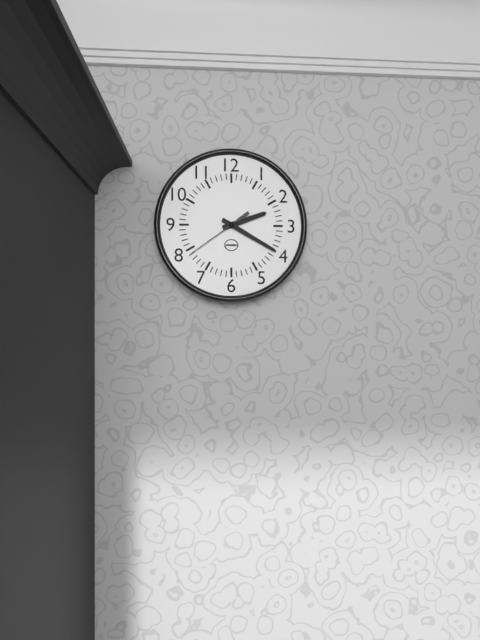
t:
2,20,39
